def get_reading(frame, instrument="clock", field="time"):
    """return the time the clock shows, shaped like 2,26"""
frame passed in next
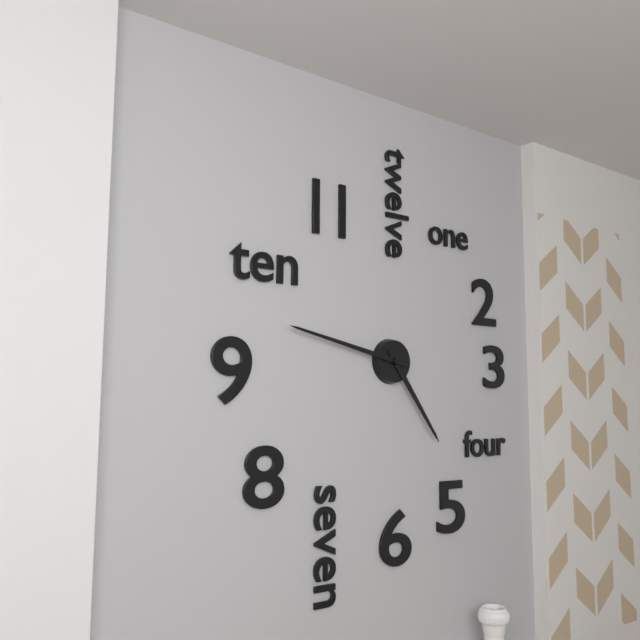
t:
4,47
